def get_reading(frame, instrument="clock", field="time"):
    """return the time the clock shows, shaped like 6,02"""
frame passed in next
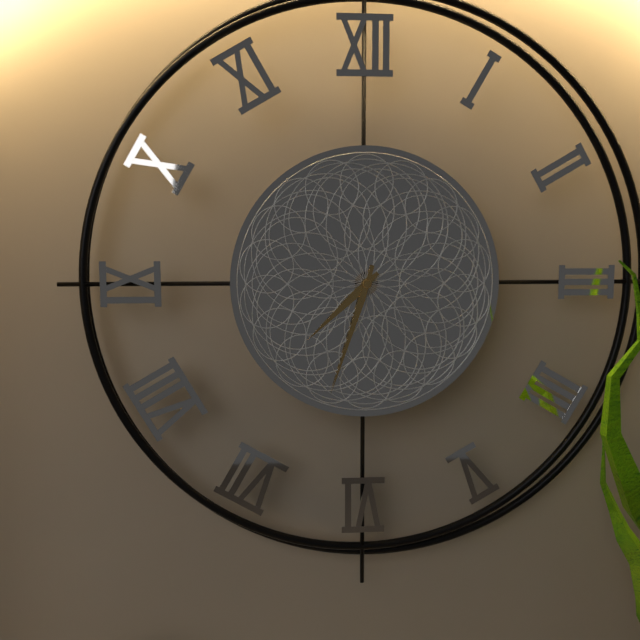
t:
7,33
